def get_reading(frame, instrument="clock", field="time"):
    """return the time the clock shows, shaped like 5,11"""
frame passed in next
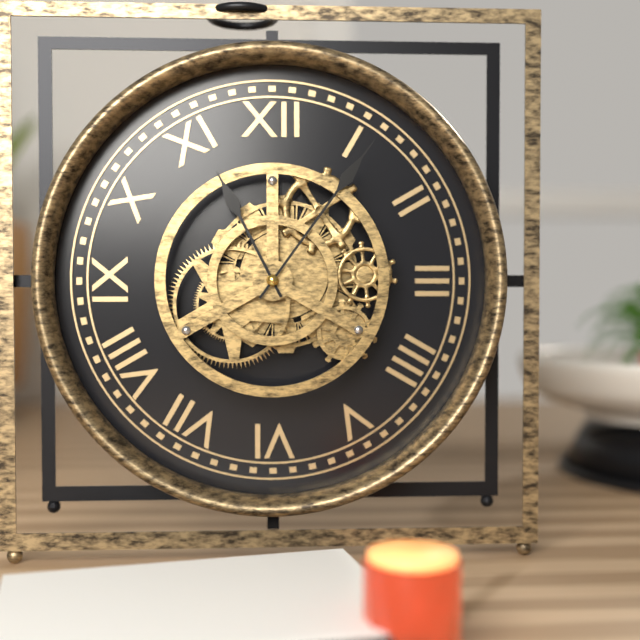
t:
11,06
